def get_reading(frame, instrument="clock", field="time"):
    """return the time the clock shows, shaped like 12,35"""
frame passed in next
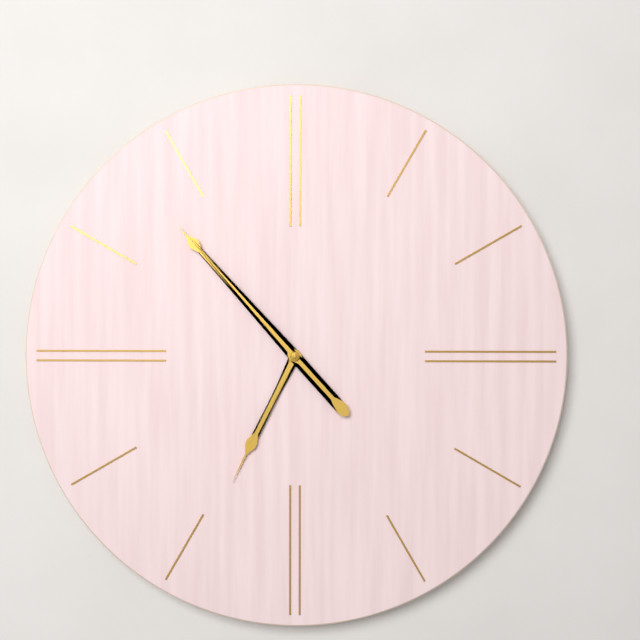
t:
6,53
